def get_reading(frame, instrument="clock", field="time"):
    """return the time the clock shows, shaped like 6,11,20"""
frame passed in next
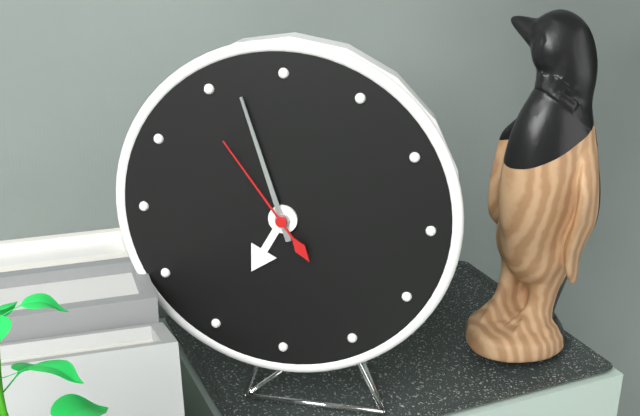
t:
6,57,54
